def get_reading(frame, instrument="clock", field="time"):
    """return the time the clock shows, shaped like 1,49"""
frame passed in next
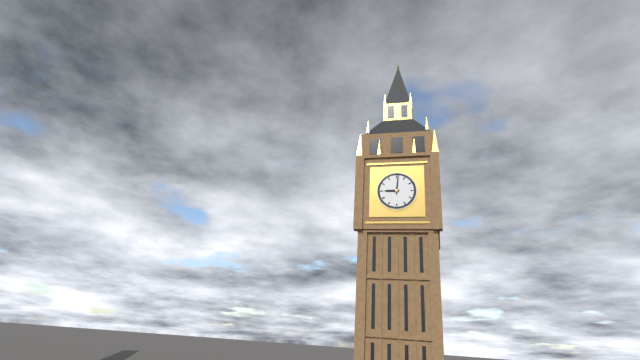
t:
9,01
